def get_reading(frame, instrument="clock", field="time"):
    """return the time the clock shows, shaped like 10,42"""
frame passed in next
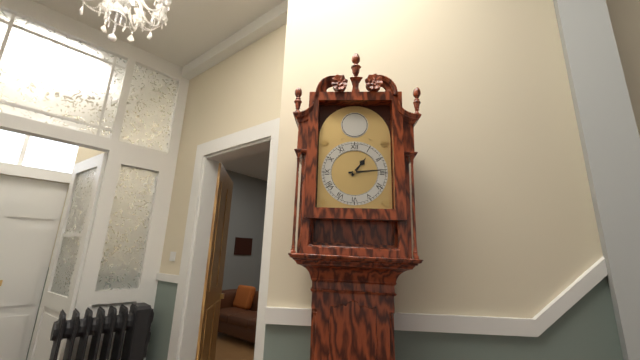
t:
1,14
